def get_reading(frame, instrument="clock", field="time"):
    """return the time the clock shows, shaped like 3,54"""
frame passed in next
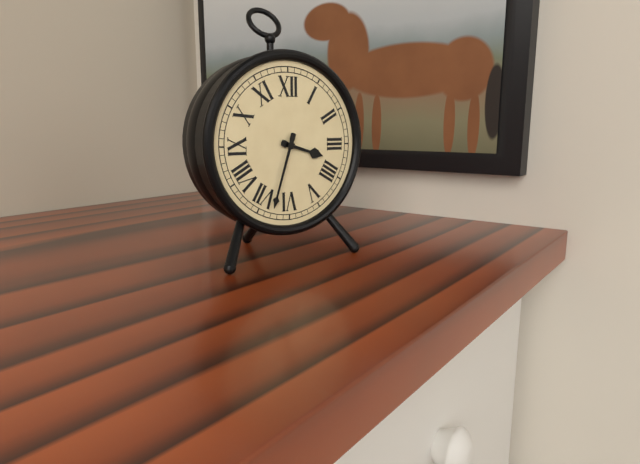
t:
3,33
